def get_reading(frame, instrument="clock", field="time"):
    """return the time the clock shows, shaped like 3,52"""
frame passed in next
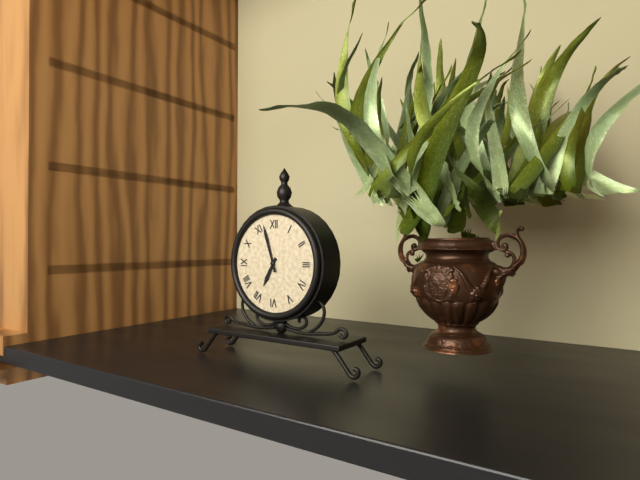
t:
6,57
